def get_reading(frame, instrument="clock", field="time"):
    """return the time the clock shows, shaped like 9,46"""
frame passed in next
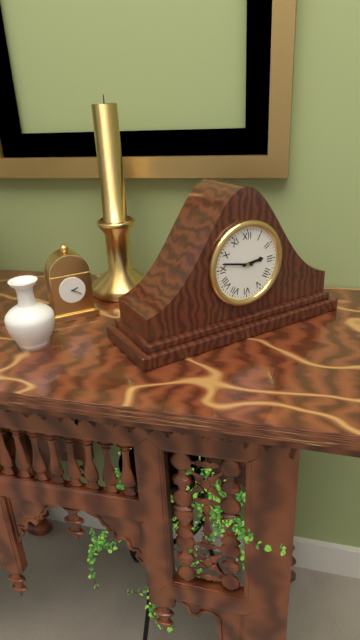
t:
2,47
